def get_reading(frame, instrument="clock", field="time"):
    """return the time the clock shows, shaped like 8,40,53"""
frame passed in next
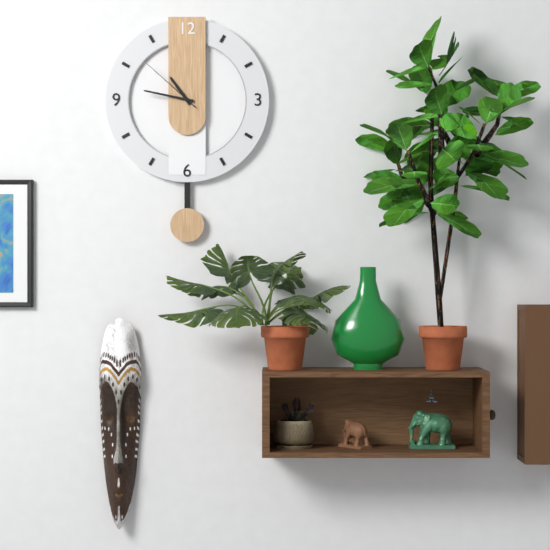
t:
10,47,52
